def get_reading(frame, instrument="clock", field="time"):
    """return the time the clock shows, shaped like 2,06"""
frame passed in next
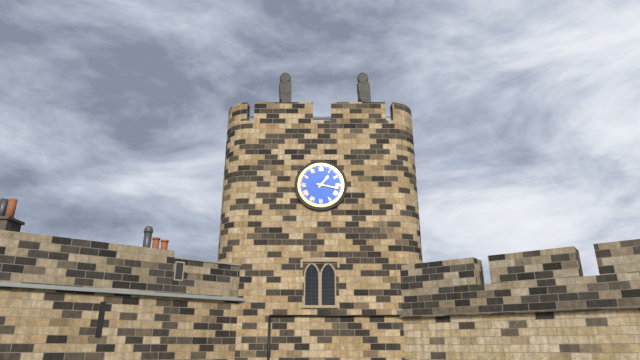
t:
1,17
